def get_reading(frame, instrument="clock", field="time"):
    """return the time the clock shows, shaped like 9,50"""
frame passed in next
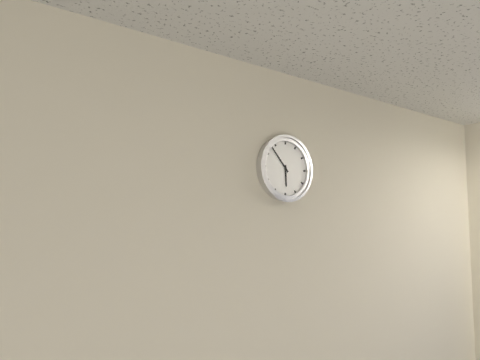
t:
5,53
